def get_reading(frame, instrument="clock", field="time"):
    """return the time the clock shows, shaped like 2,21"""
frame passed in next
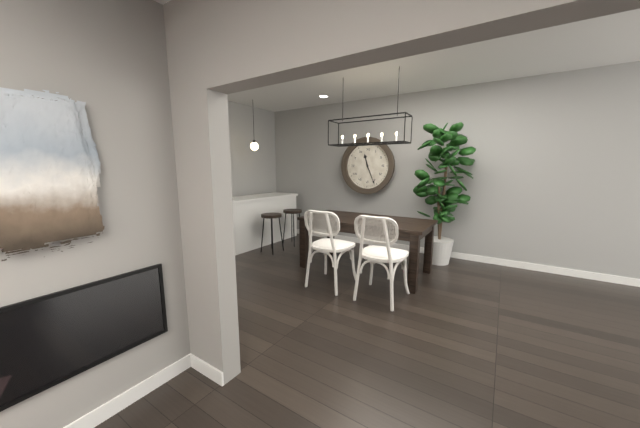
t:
11,26
